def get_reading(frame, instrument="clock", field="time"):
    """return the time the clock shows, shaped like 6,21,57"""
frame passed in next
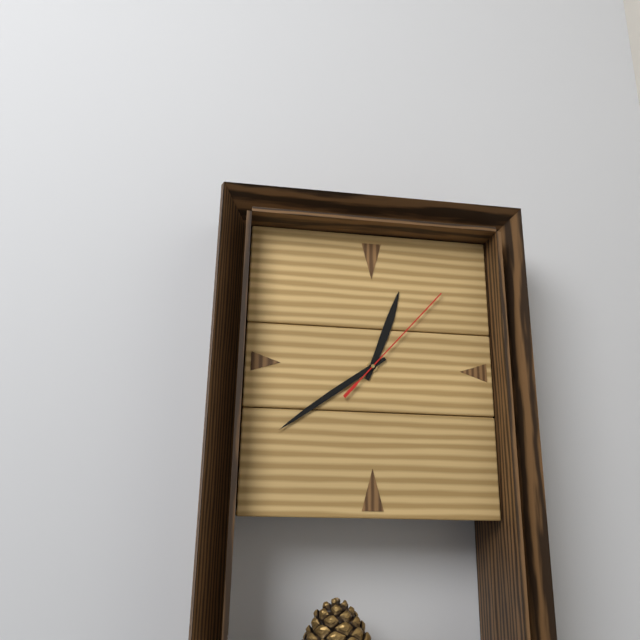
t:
12,39,07
